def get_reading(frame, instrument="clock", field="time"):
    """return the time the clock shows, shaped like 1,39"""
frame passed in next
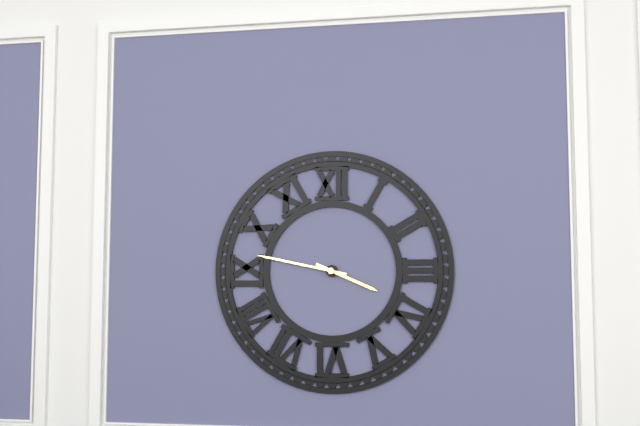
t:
3,47
